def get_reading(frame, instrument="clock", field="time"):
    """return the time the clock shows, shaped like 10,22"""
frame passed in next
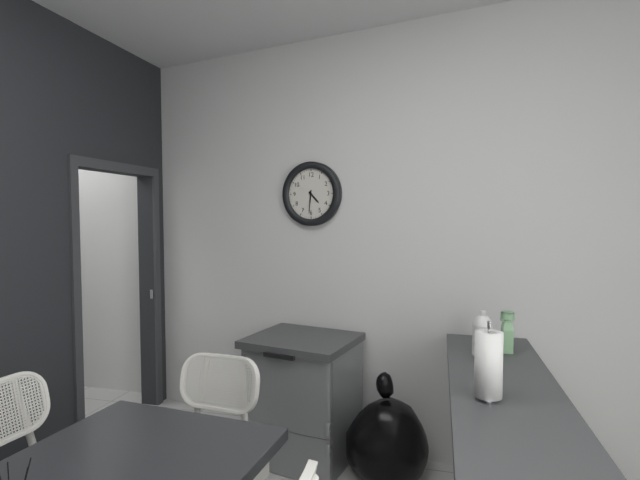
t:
4,31
